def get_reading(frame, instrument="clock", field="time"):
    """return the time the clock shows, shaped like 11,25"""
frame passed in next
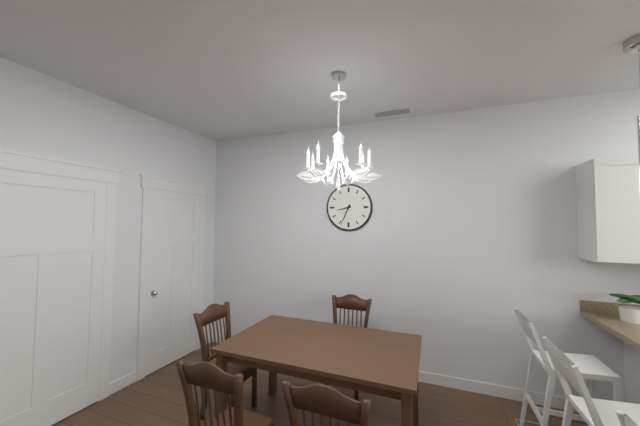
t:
8,34
